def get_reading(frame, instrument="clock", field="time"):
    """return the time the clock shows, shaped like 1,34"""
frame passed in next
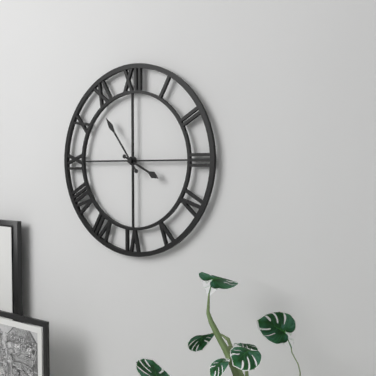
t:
3,54
